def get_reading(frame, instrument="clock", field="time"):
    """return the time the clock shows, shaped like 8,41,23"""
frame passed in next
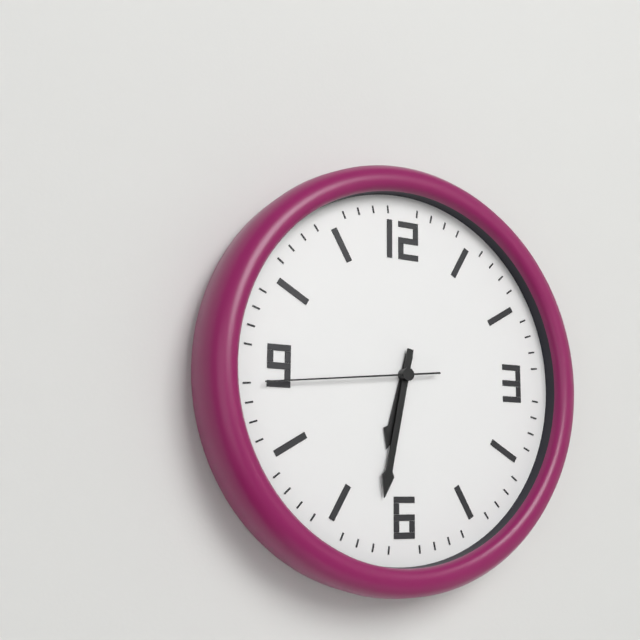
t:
6,32,44
